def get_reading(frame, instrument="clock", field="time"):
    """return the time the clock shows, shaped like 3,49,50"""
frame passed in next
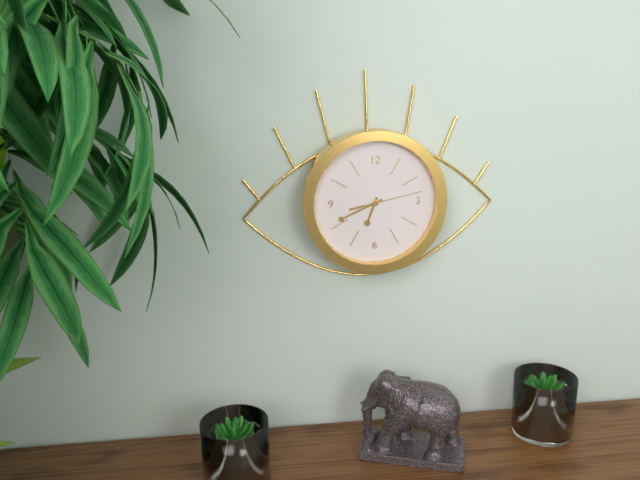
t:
6,41,13
